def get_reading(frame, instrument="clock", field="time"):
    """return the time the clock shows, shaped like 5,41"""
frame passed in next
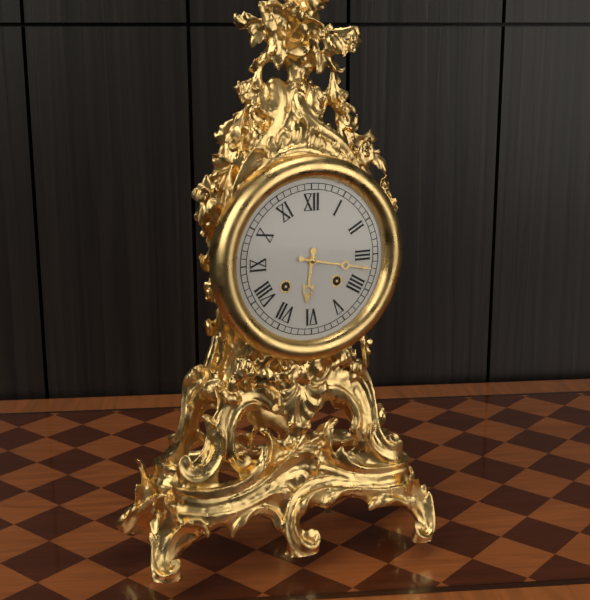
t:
6,17
